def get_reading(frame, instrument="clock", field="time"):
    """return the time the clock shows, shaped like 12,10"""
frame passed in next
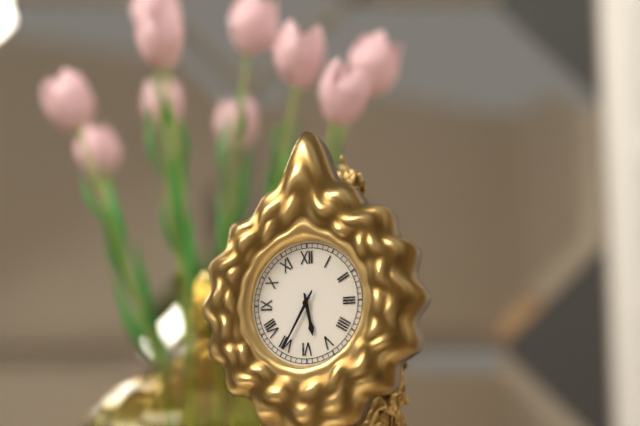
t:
5,35
